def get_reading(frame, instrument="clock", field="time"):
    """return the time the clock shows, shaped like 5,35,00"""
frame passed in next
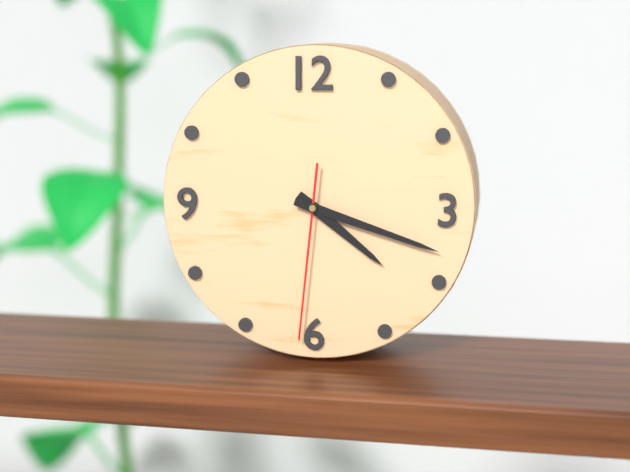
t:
4,18,31
